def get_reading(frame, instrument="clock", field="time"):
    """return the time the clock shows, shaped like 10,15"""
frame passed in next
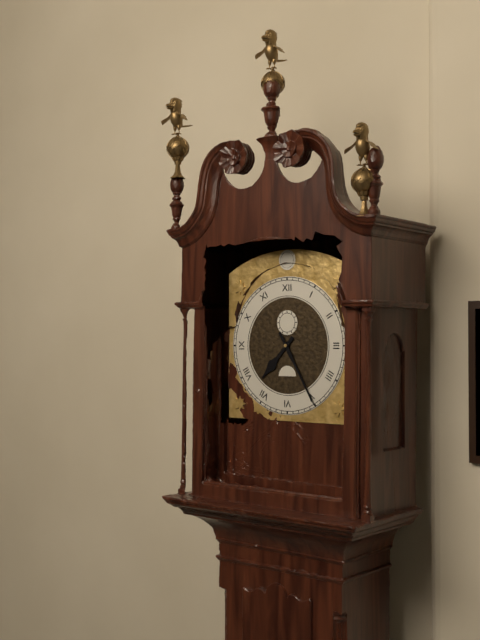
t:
7,25
